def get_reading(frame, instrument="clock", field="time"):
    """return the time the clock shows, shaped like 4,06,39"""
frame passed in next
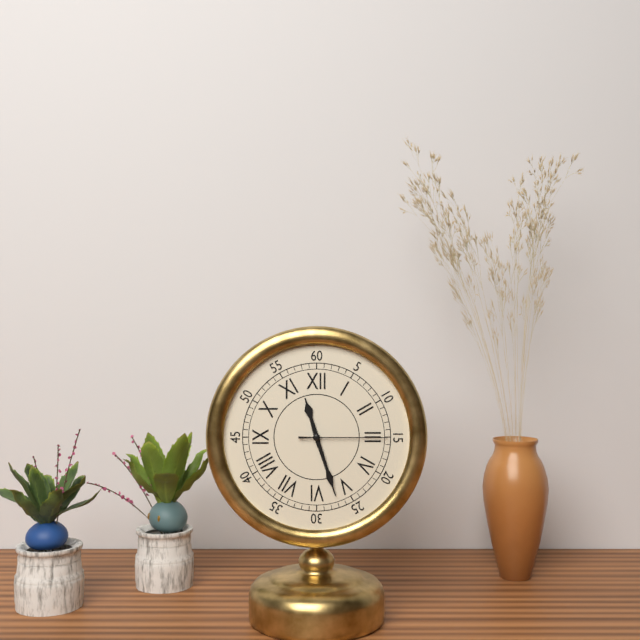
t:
11,27,15
